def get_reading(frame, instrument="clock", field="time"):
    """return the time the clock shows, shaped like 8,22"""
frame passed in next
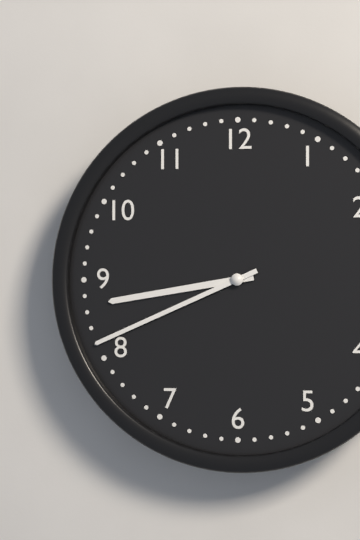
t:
8,41
